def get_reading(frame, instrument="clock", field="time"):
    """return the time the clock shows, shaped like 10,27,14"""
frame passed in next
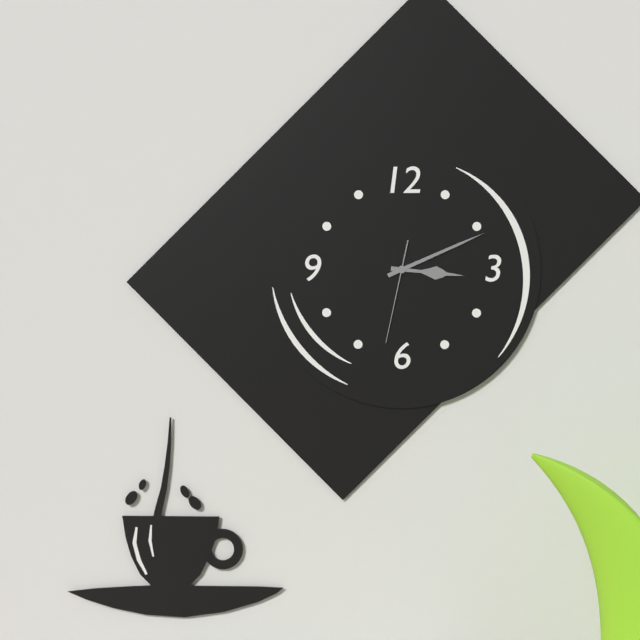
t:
3,11,32
